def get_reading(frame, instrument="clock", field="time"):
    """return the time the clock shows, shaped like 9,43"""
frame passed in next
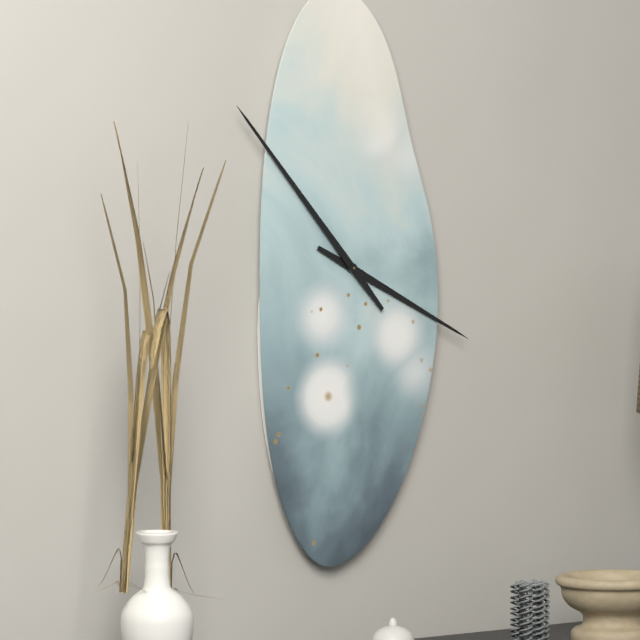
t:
3,53
